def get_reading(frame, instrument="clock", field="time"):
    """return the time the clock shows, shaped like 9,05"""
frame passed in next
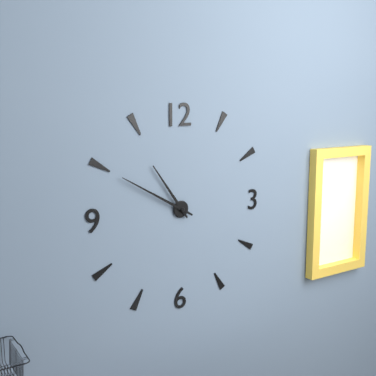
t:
10,50
